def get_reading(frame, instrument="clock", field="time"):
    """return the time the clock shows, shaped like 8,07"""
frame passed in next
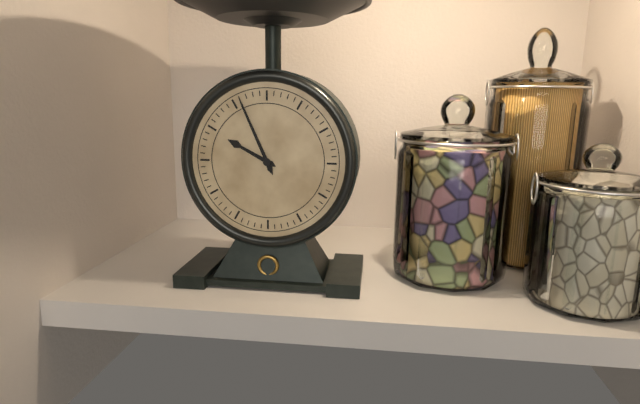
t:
9,56
